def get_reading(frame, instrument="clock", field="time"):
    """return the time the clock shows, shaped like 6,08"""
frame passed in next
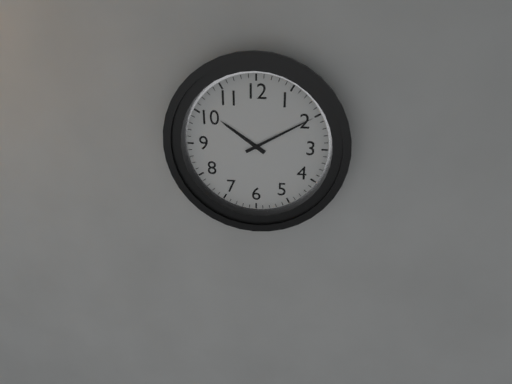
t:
10,10
